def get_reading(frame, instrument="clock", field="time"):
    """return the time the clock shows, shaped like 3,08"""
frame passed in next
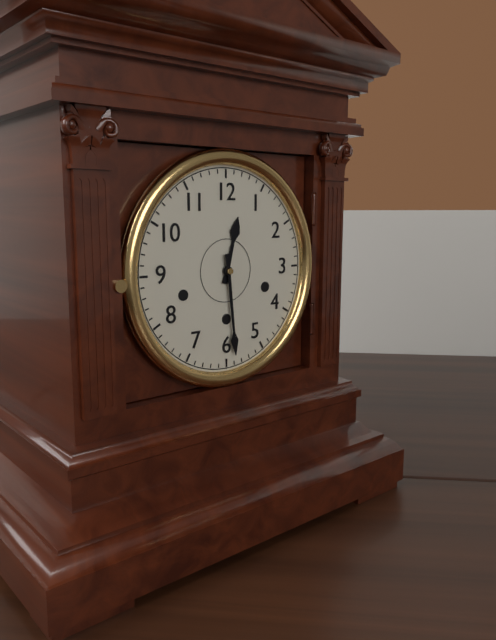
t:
12,29
